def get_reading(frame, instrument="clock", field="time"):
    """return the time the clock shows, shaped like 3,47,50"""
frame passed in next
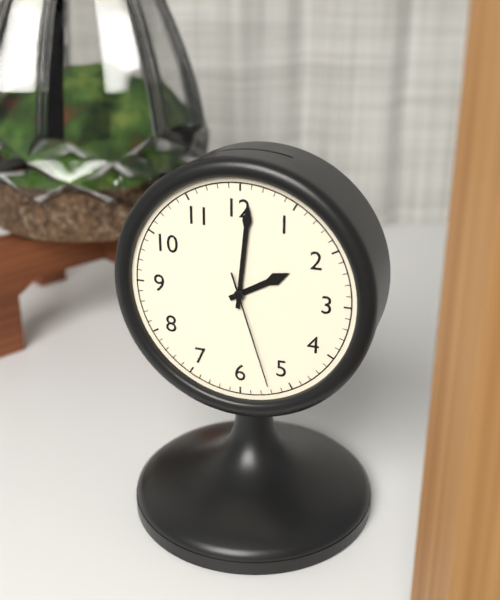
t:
2,01,27
